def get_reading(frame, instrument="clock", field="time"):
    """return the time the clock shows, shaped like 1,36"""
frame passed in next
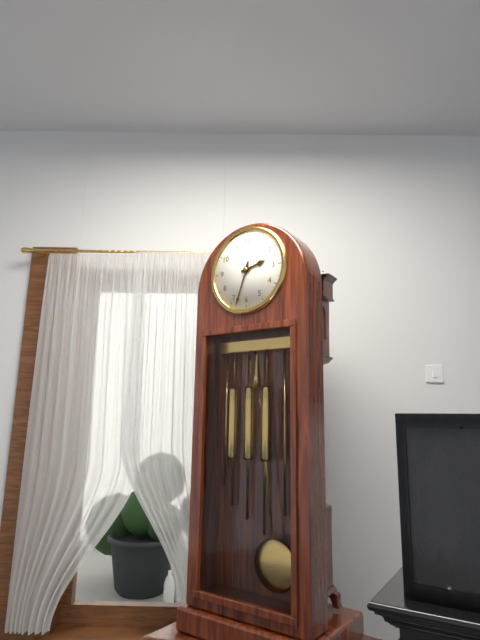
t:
2,33
